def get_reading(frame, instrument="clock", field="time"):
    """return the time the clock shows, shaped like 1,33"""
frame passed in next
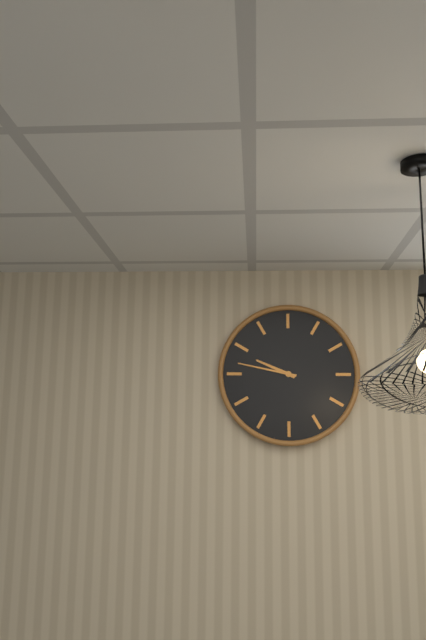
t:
9,47
